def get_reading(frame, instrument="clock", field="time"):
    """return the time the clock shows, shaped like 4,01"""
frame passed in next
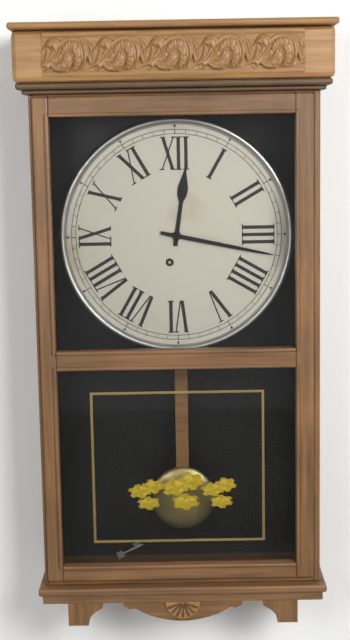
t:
12,17
